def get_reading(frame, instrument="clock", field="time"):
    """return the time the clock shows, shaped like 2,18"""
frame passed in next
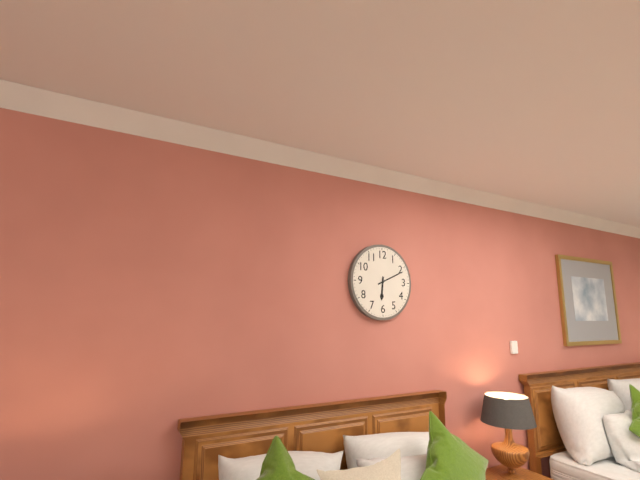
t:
6,11
